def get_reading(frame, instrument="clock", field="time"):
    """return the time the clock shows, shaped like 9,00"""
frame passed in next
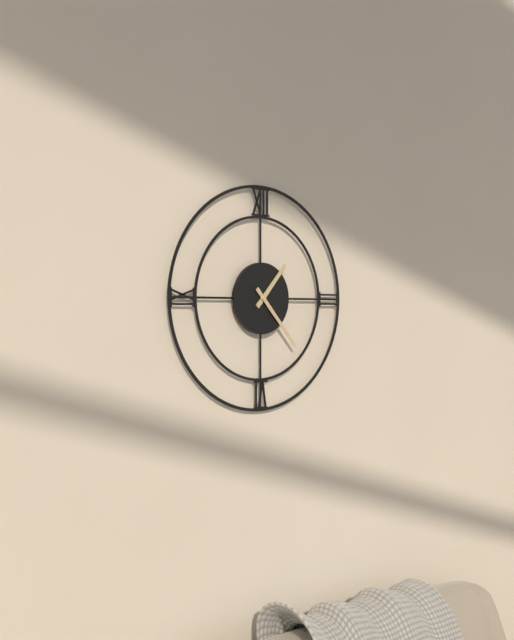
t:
1,23
